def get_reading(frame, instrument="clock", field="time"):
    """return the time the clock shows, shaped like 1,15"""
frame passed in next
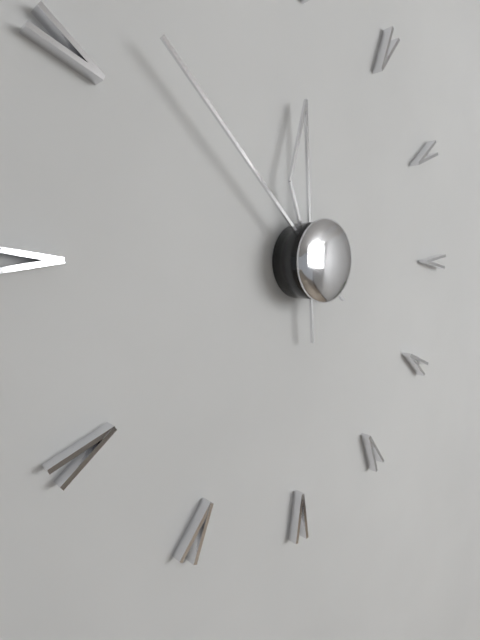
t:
11,52
